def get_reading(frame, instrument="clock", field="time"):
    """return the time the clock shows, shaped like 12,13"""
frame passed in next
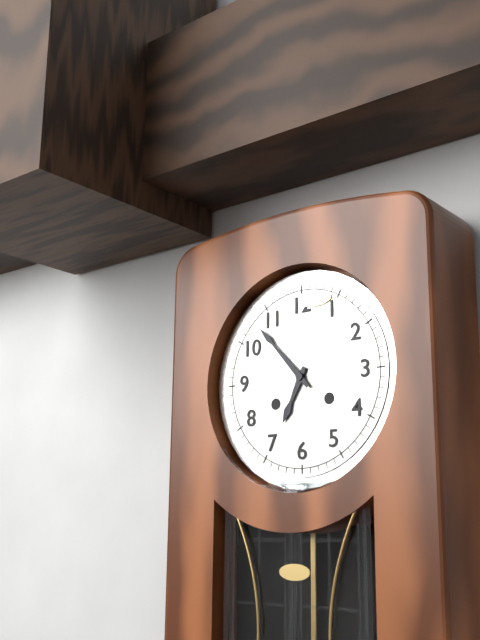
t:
6,53
